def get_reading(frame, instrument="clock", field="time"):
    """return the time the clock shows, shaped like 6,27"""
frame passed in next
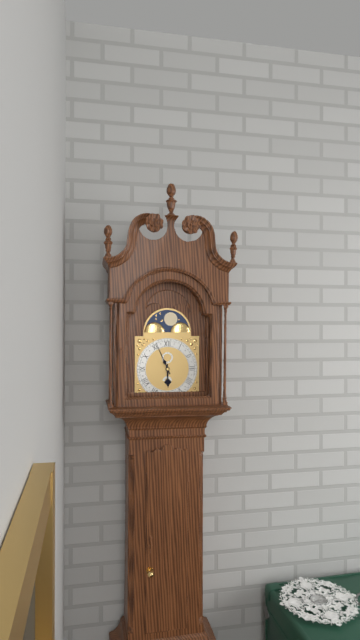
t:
5,56
